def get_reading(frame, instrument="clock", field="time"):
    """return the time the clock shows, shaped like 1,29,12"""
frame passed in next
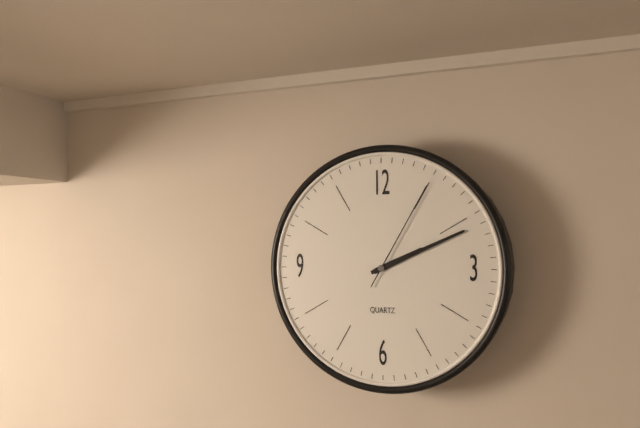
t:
2,11,05
